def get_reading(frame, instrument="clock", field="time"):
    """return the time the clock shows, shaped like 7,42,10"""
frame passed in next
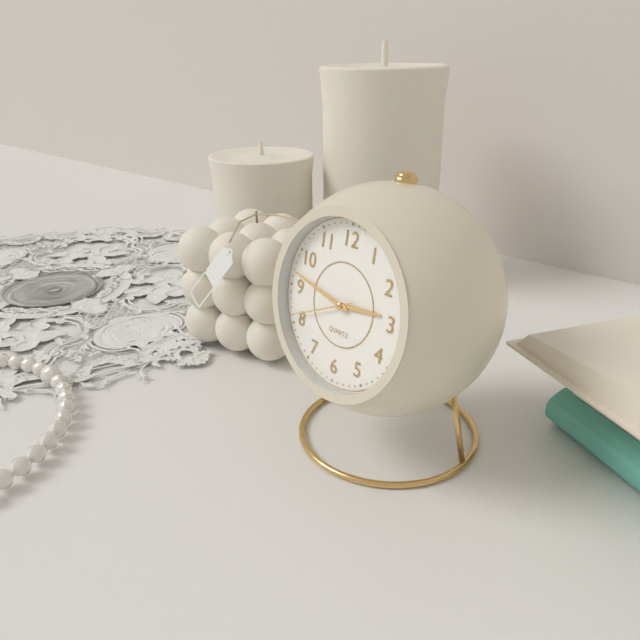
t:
2,47,41
